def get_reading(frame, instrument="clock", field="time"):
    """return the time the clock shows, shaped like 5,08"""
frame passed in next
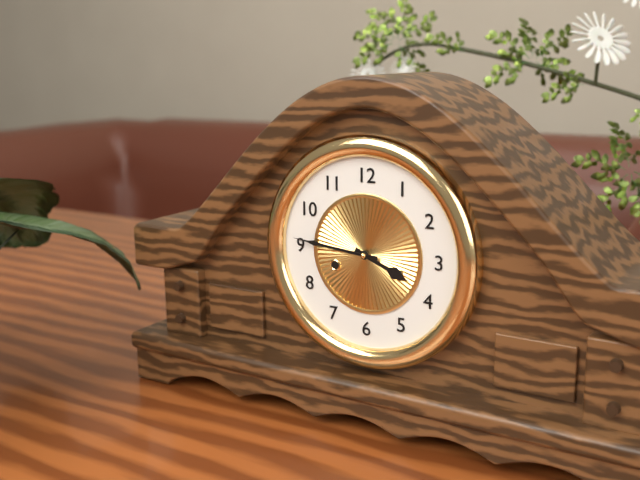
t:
3,46
